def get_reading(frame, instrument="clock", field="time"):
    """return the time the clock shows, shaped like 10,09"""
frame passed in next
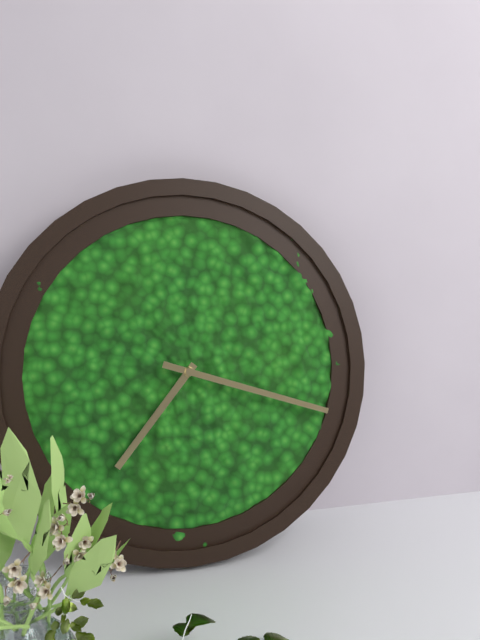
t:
7,18
